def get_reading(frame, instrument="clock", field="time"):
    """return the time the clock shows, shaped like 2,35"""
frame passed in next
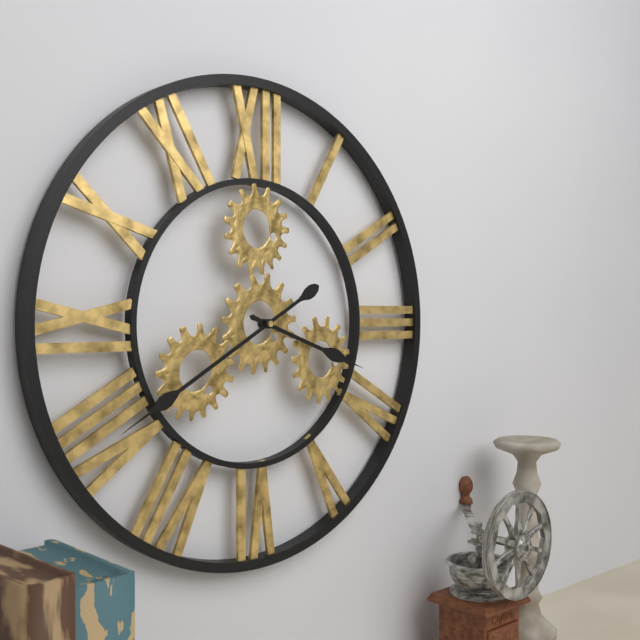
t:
3,40
